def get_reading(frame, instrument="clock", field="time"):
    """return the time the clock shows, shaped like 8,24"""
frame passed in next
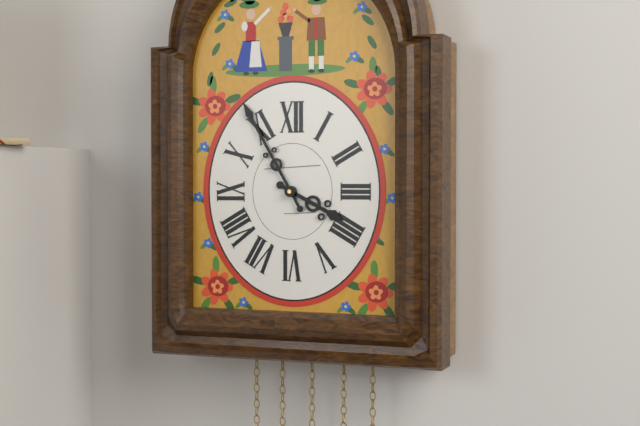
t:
3,55
